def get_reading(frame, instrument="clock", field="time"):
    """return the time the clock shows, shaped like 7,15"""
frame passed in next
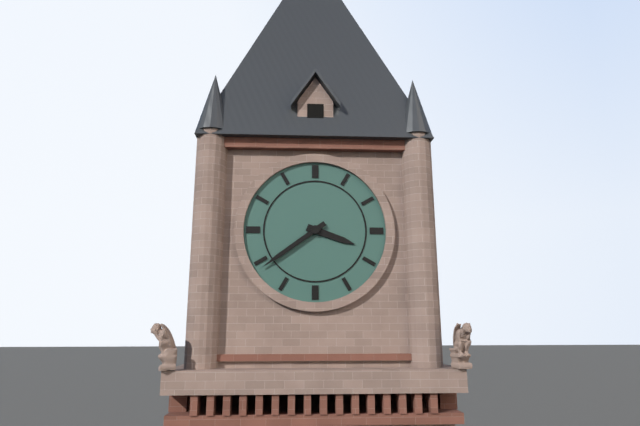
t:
3,39
